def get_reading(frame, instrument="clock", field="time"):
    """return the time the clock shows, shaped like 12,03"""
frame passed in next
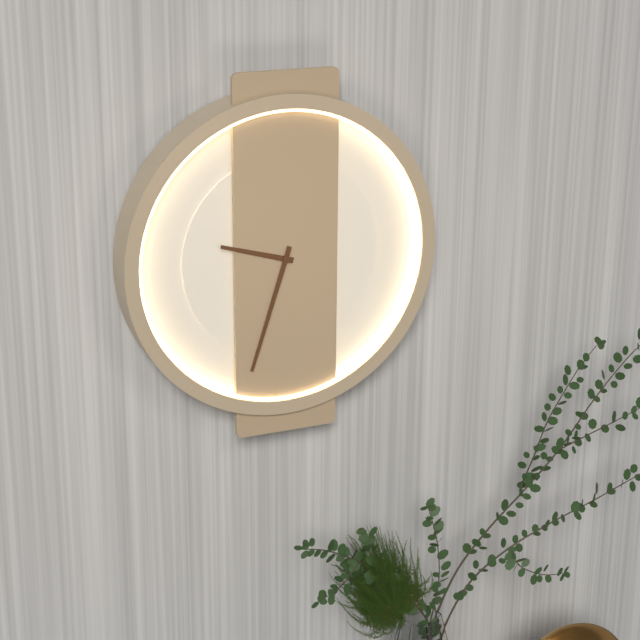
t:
9,33
